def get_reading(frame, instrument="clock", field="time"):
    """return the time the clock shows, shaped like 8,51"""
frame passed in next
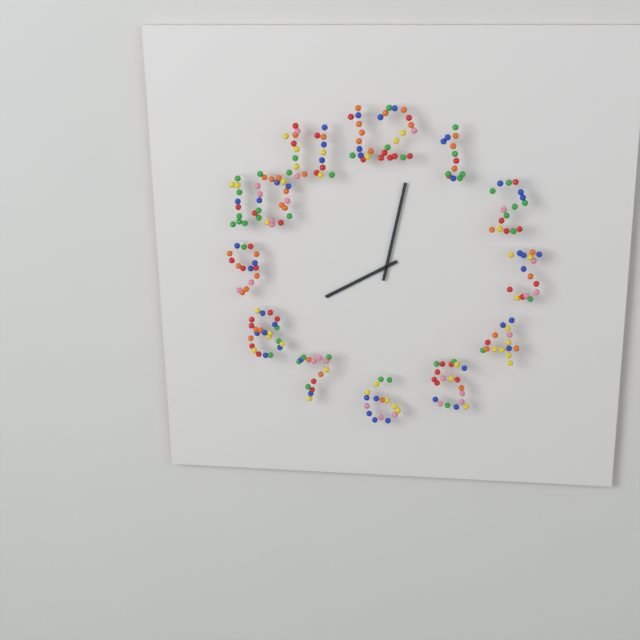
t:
8,02
